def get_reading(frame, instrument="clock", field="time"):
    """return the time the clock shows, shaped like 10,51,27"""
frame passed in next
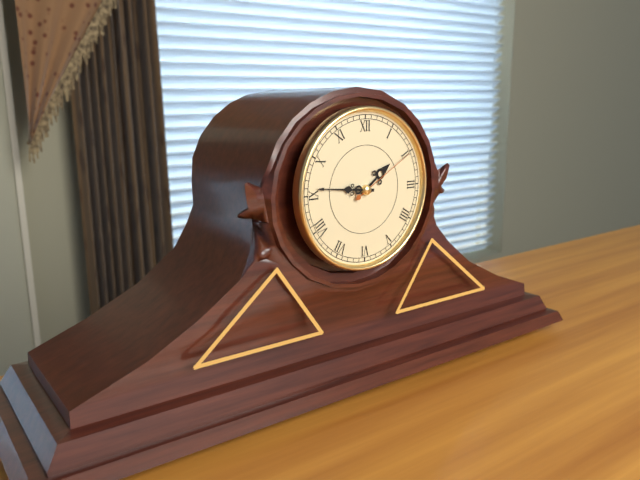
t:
1,46,10
